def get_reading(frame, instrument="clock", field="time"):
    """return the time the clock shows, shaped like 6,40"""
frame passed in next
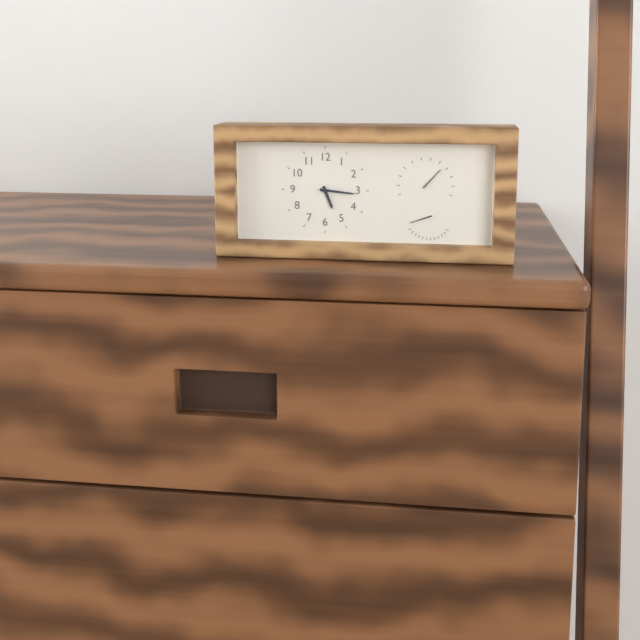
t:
5,16
